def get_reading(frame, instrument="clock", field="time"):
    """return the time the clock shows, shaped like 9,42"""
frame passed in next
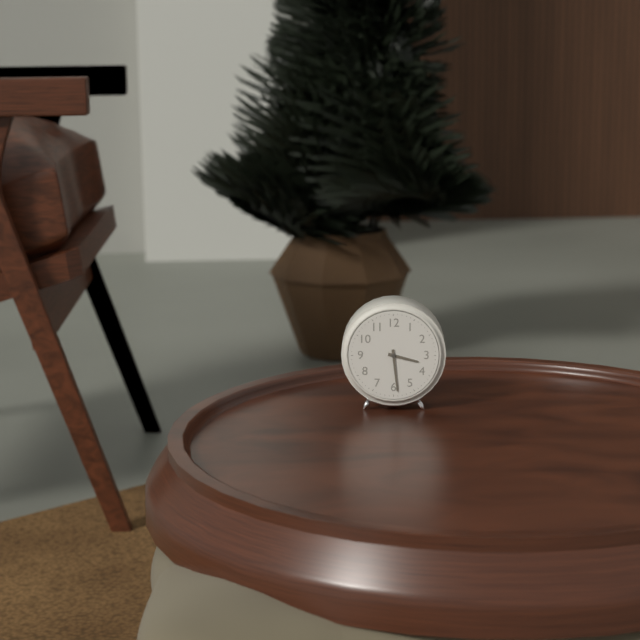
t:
3,29
